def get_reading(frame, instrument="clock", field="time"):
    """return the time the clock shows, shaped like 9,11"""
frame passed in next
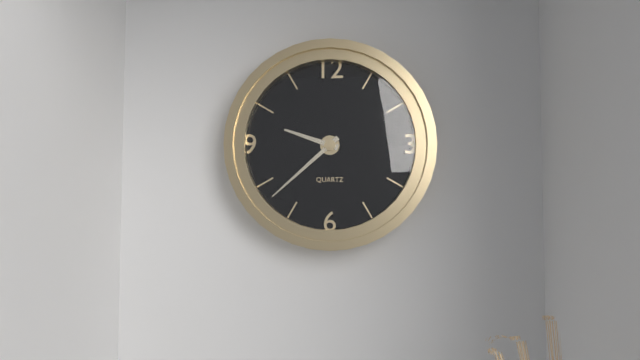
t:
9,38
